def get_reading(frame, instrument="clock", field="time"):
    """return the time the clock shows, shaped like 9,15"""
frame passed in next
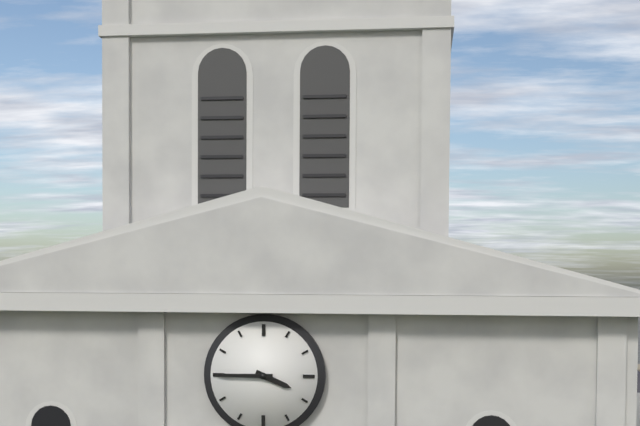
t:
3,45
